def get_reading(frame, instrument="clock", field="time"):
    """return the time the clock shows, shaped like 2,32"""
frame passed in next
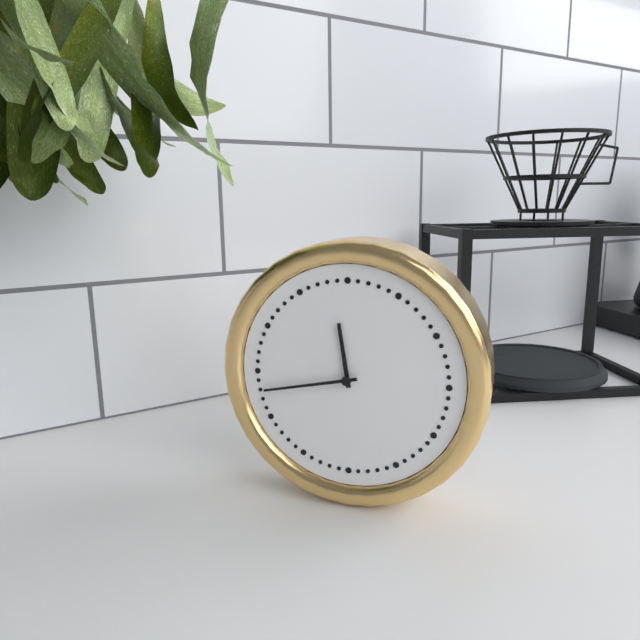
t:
11,43
